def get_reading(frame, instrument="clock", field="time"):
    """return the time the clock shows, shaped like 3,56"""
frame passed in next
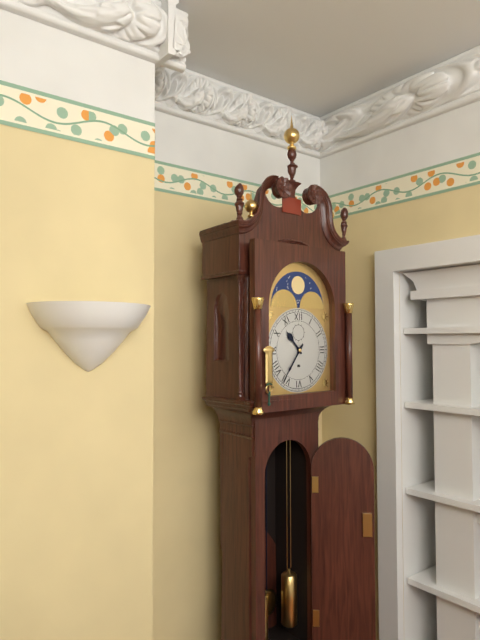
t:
10,36
